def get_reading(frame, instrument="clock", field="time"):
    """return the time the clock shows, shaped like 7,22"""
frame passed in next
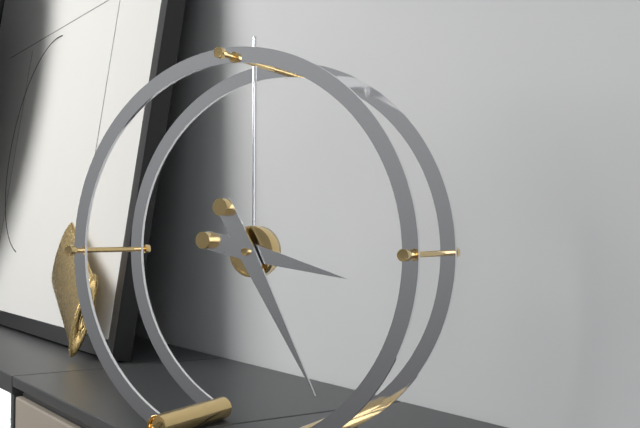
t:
3,25
